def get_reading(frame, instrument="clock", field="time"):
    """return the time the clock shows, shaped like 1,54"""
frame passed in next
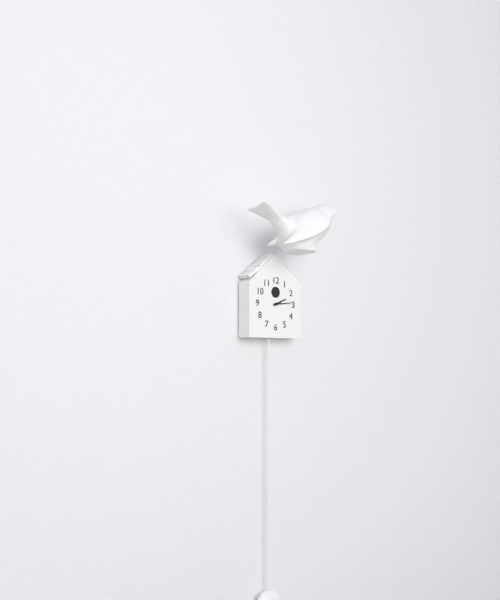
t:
2,14
